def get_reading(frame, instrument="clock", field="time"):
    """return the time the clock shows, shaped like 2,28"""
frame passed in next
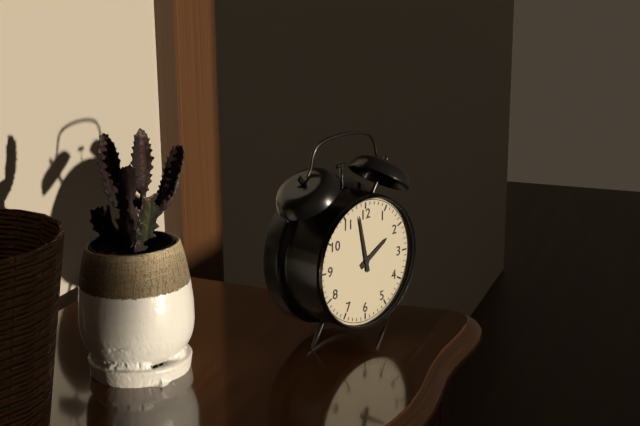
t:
1,58
